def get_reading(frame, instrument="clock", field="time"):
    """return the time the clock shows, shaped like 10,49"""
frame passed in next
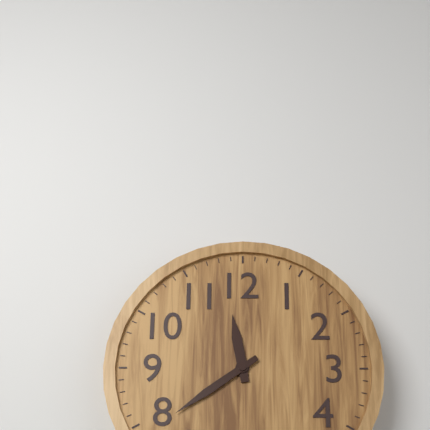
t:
11,39
